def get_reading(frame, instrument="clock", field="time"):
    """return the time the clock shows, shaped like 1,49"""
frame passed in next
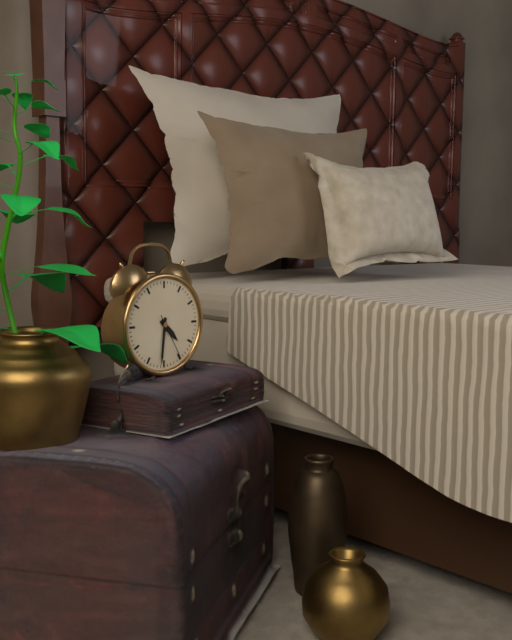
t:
4,31
